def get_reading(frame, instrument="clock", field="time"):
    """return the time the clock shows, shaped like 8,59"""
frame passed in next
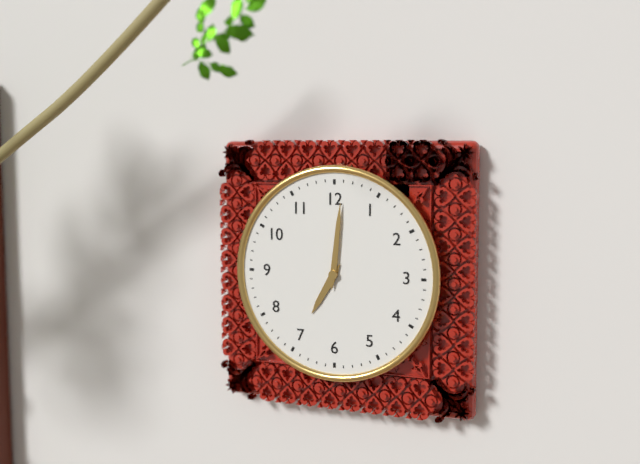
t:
7,01
